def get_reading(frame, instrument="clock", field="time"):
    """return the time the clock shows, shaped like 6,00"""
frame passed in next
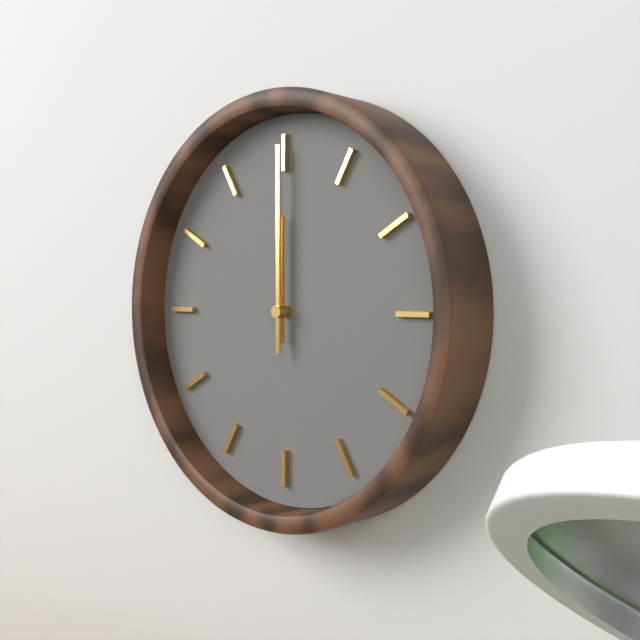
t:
12,00
